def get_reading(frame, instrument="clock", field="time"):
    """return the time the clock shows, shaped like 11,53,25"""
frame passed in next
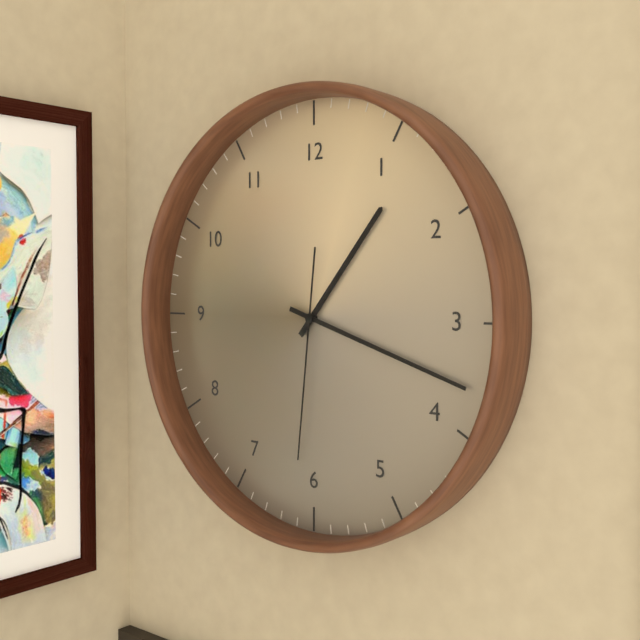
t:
1,18,31
